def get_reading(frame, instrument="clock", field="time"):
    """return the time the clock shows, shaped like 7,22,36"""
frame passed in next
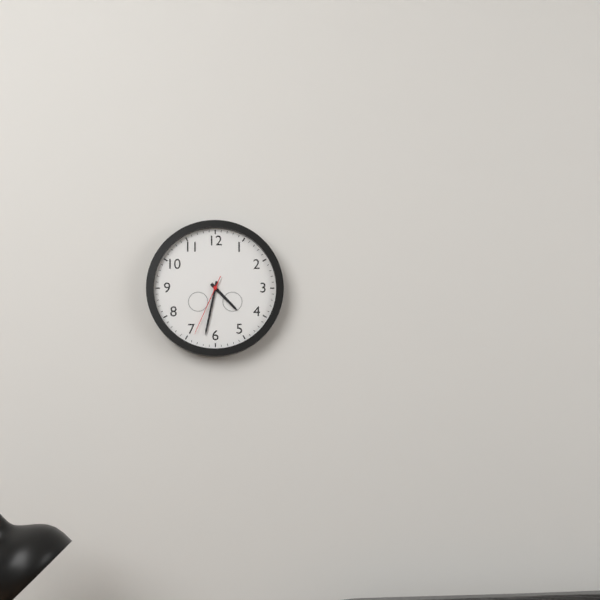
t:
4,32,34
